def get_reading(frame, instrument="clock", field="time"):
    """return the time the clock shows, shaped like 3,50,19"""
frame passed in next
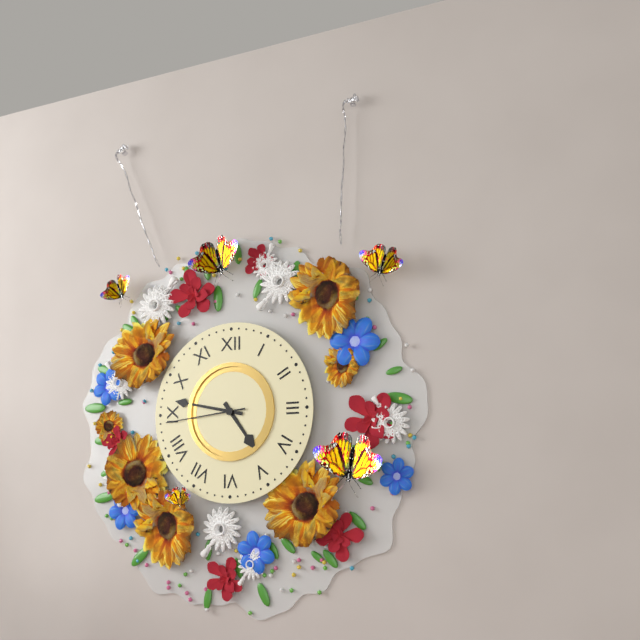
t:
4,47,44
